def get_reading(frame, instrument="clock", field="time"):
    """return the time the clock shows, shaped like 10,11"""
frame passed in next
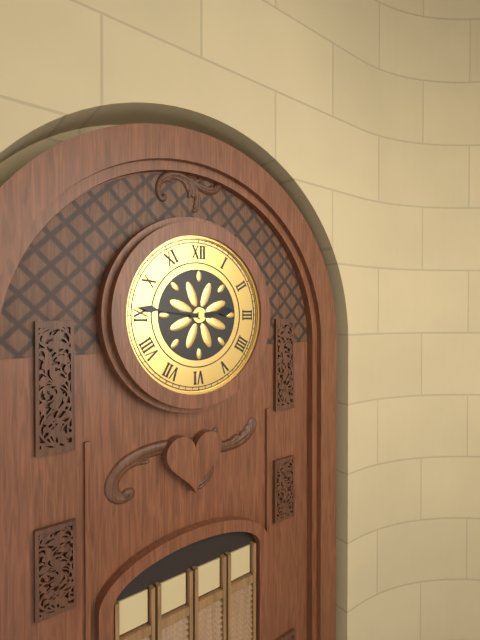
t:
2,46
